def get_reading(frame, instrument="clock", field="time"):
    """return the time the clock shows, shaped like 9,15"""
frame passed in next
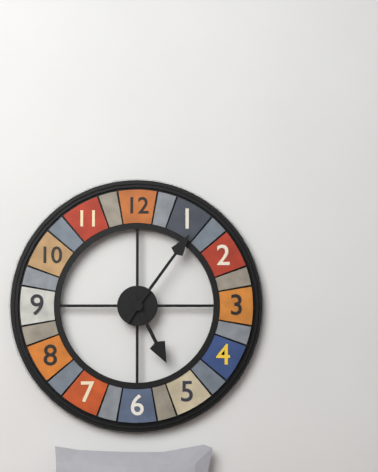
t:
5,06
